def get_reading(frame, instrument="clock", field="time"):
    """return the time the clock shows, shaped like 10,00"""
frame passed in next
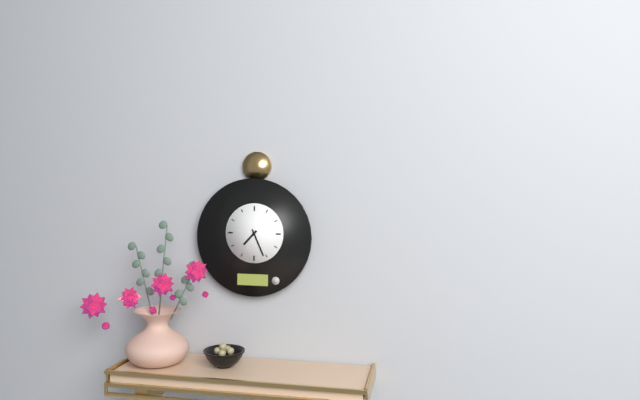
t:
7,26
